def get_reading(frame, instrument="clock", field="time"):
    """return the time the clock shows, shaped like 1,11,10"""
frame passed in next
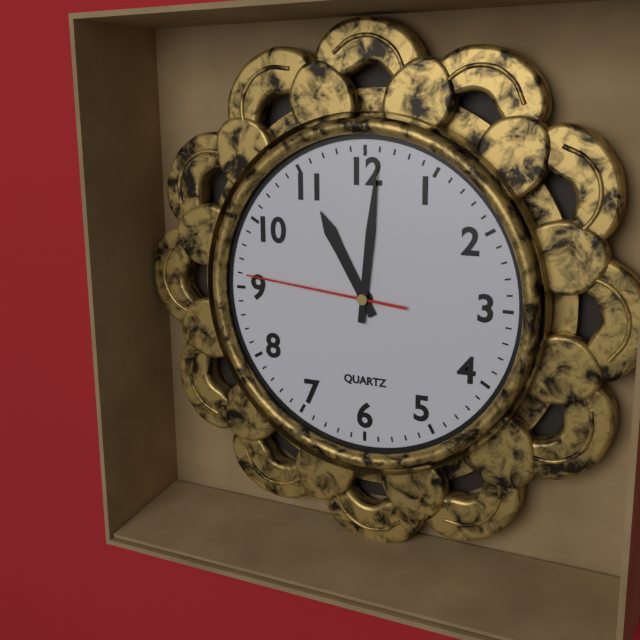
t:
11,01,46
